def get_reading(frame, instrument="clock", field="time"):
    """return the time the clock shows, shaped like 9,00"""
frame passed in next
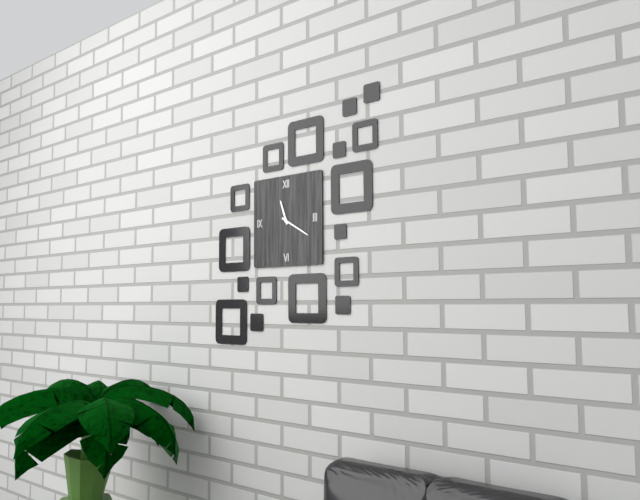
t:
11,20
